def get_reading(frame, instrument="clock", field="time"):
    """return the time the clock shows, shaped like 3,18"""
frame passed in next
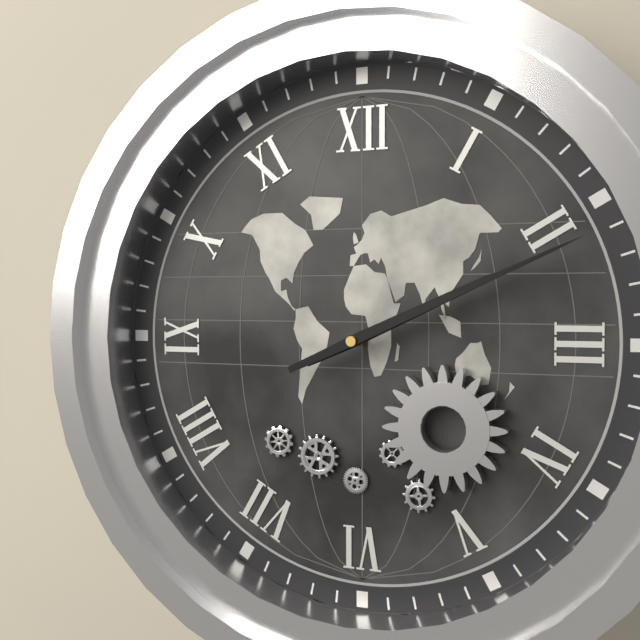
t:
2,11
